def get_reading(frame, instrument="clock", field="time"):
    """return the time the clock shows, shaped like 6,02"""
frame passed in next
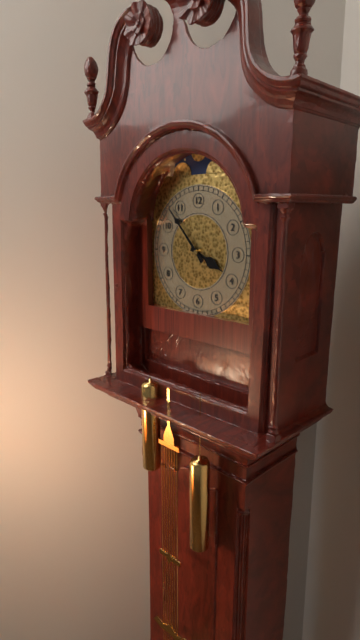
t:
3,53
